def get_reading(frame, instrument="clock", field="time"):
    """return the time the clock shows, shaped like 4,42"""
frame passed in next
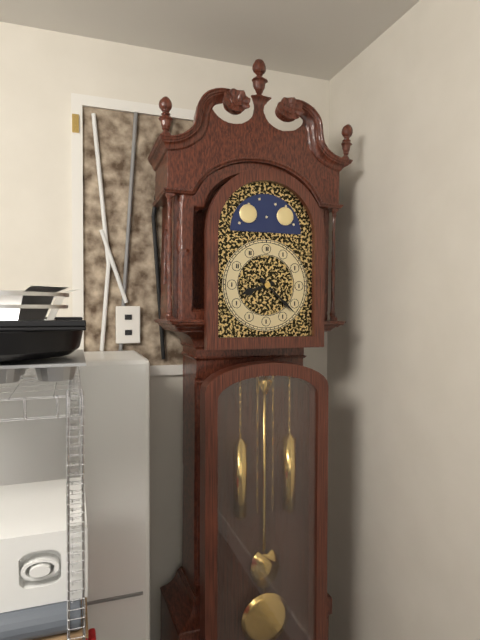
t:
8,22
